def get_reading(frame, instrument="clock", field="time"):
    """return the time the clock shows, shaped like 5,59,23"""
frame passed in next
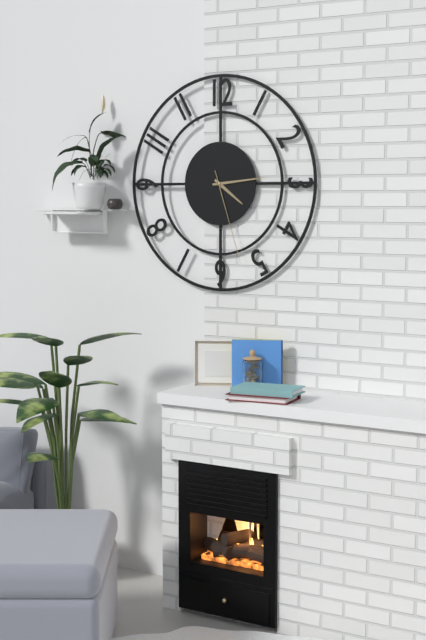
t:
4,14,27
